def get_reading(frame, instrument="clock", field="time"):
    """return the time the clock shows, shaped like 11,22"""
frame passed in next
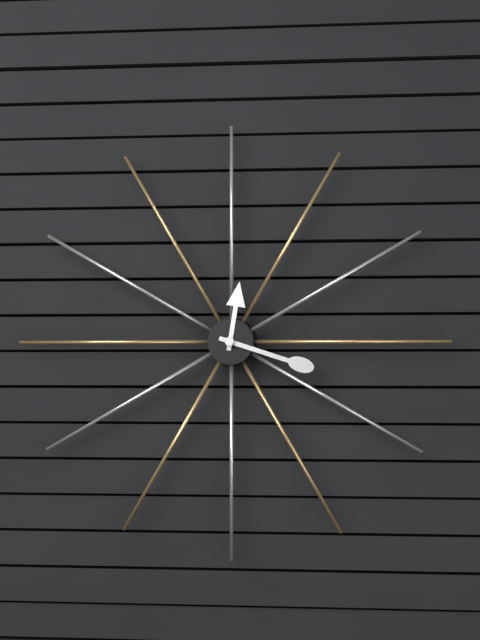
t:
12,18
